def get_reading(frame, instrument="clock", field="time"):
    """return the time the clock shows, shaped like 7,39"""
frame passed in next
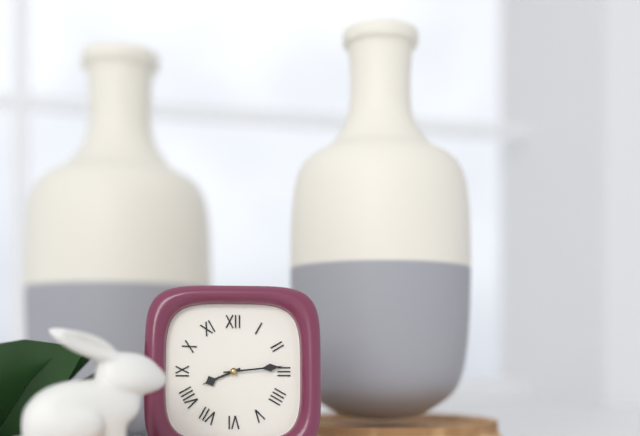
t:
8,14
